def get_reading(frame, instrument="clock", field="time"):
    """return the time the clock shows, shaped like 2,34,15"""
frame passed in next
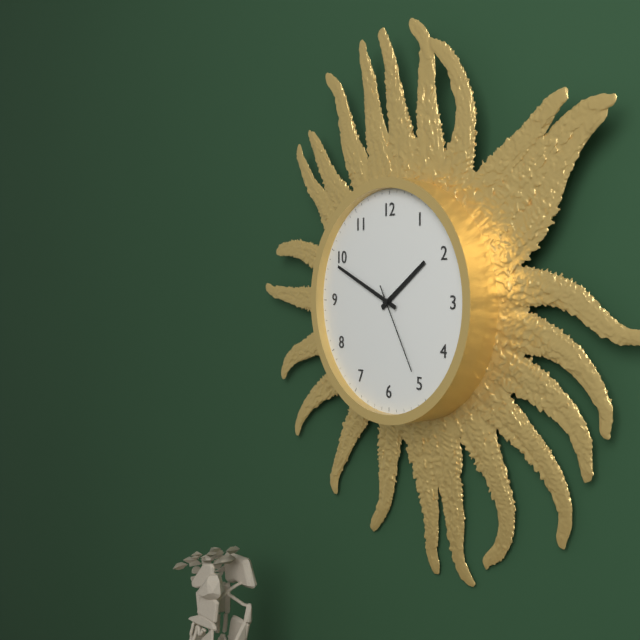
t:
1,49,25
